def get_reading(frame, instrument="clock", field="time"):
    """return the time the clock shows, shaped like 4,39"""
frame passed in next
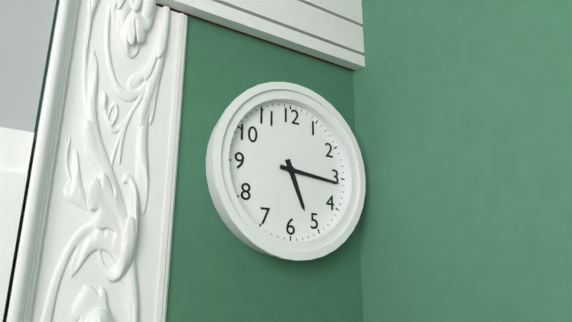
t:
5,16
